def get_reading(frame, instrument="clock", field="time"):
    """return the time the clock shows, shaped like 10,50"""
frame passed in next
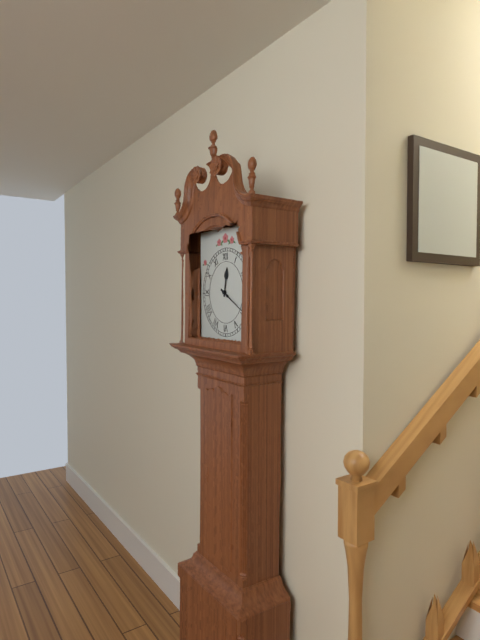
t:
12,20
